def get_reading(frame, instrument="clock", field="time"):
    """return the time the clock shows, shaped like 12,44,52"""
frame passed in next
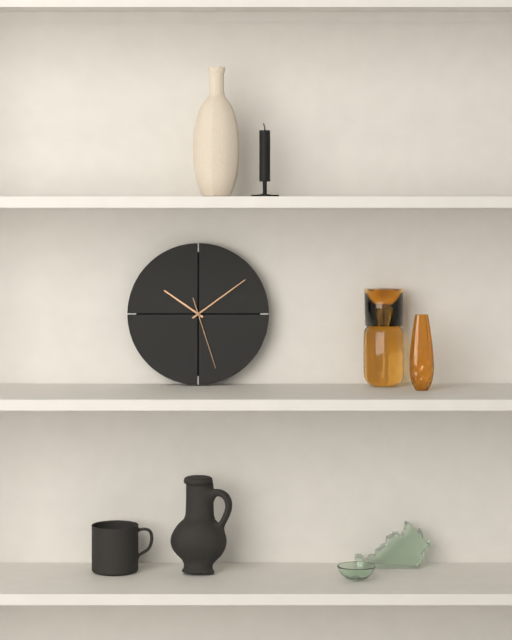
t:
10,09,27
